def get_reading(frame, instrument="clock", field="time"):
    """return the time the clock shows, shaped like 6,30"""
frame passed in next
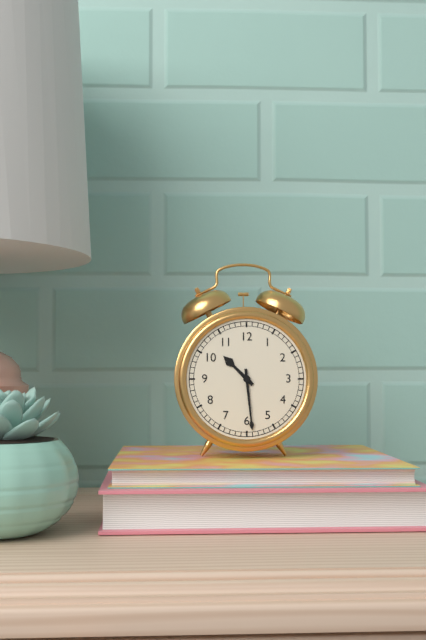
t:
10,29
